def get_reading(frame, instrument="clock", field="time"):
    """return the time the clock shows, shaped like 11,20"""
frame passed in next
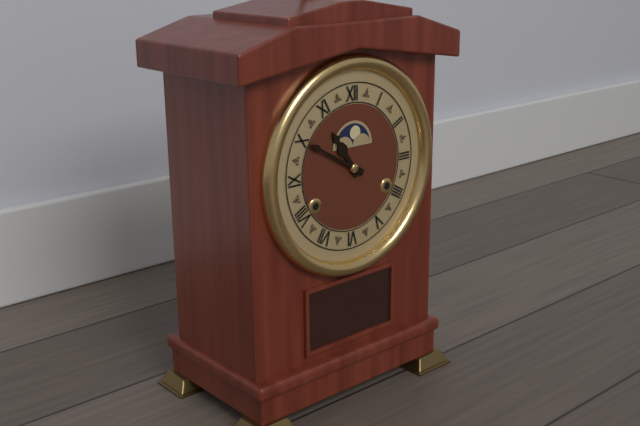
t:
10,50
